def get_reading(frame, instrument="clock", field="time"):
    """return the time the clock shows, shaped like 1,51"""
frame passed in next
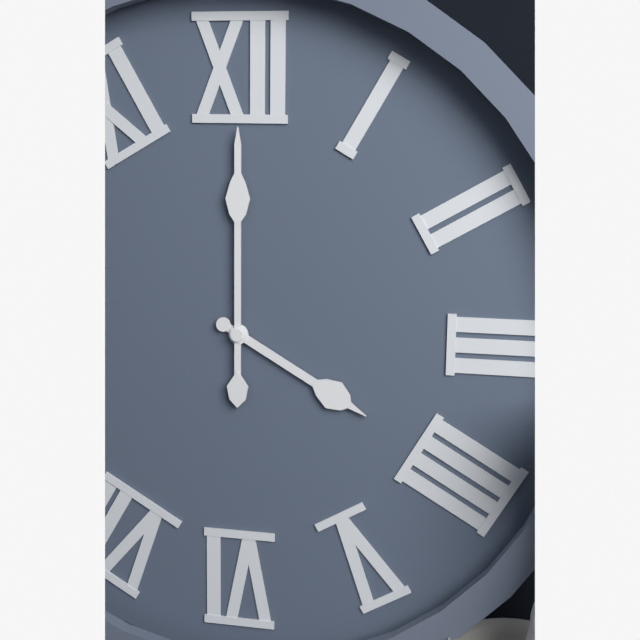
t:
4,00
